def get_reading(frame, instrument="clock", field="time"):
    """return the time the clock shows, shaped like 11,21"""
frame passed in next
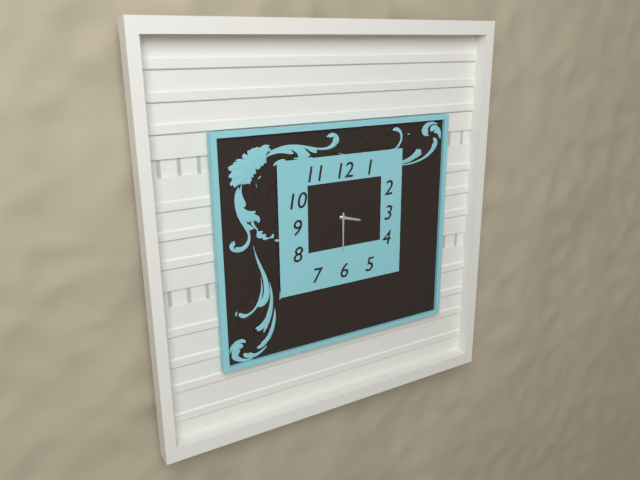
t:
3,30
